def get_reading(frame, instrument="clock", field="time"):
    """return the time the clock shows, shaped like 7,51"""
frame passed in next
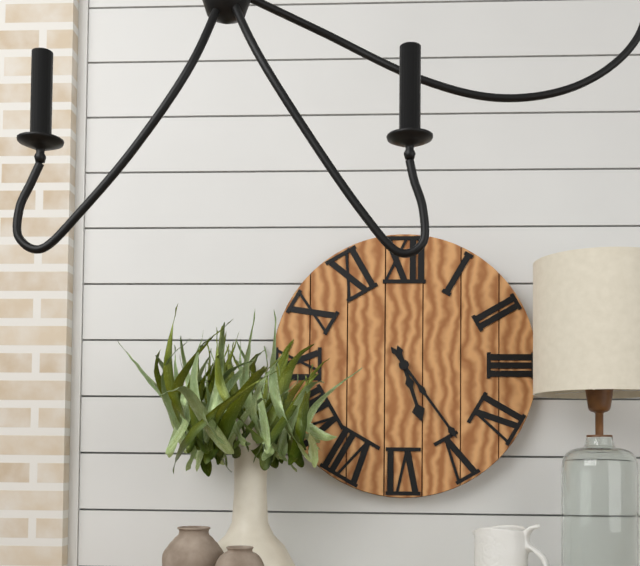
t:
5,24
